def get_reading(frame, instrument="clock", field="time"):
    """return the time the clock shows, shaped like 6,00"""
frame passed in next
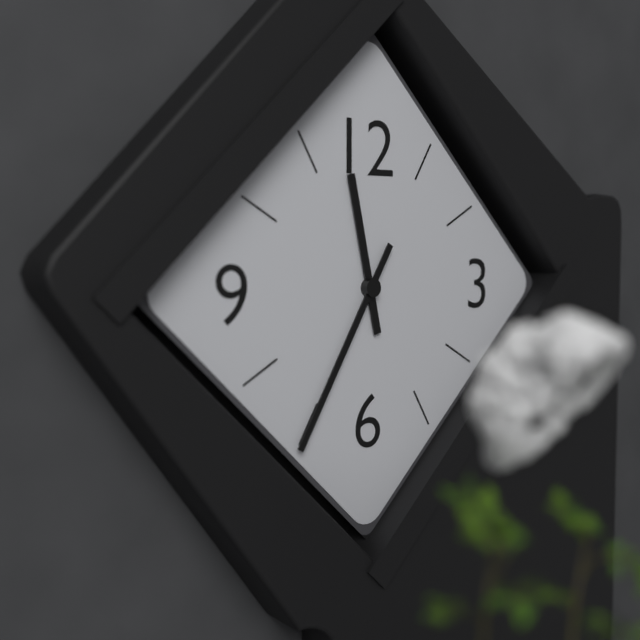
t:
11,35
